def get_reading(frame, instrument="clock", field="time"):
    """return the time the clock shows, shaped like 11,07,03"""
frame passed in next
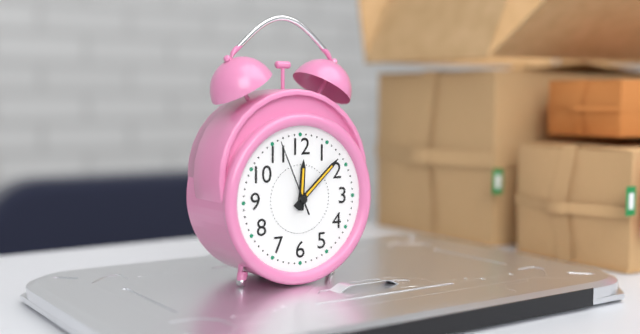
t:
12,08,56
